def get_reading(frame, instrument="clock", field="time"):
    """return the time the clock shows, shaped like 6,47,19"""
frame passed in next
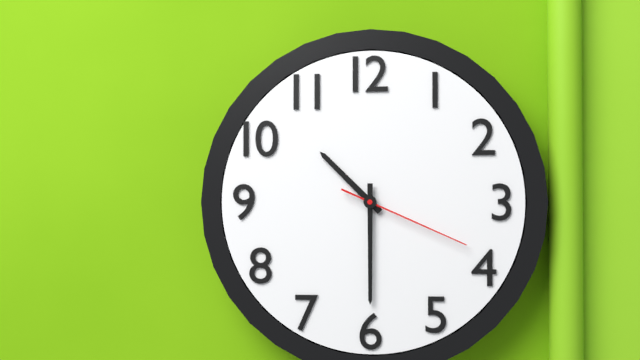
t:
10,30,19
